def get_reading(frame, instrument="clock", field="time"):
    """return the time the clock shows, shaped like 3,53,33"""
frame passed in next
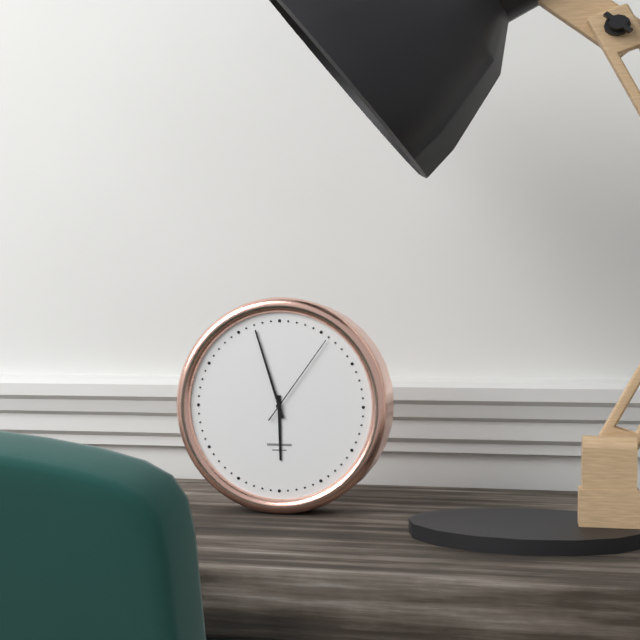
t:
5,57,06
